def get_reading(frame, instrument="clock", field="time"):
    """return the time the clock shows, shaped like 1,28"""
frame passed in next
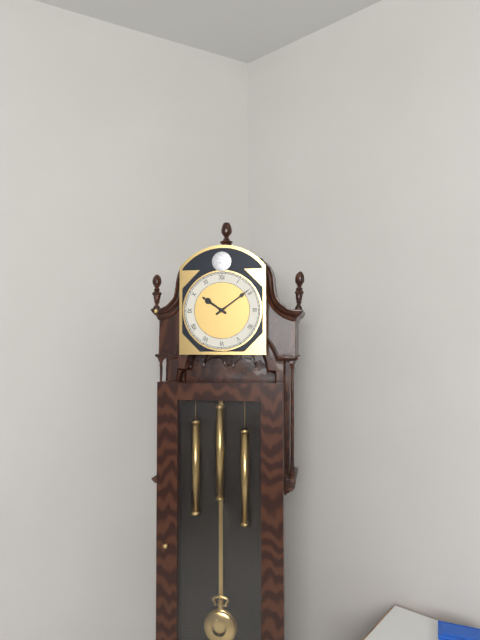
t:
10,09
